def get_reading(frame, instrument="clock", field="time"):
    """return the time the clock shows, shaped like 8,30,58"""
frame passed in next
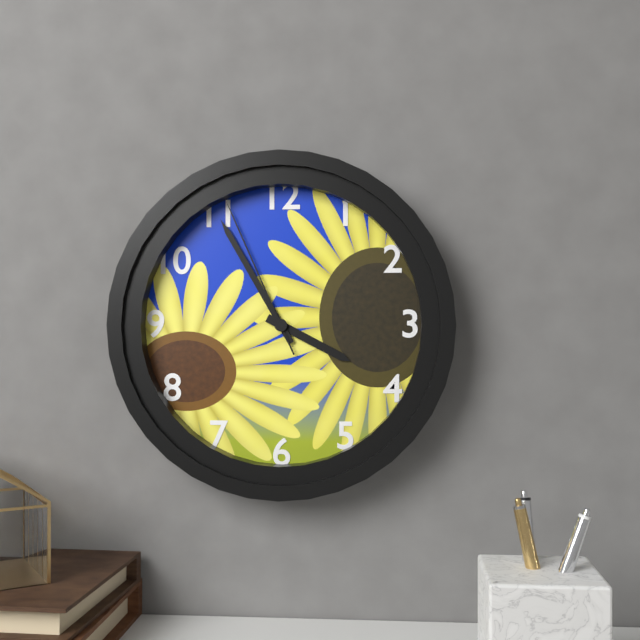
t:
3,55,56
